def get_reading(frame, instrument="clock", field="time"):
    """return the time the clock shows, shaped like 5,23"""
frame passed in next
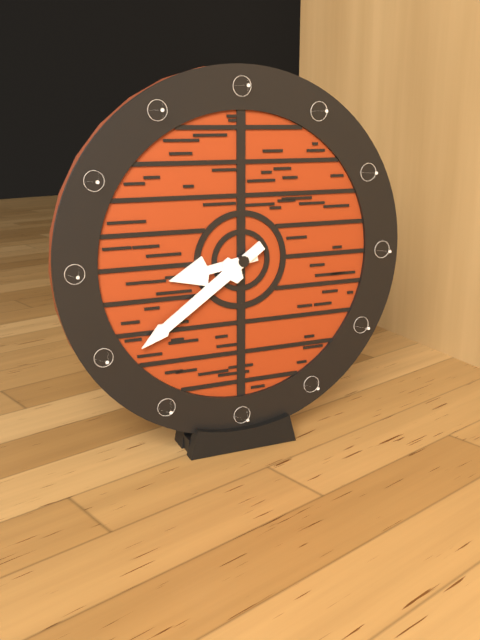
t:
8,39
